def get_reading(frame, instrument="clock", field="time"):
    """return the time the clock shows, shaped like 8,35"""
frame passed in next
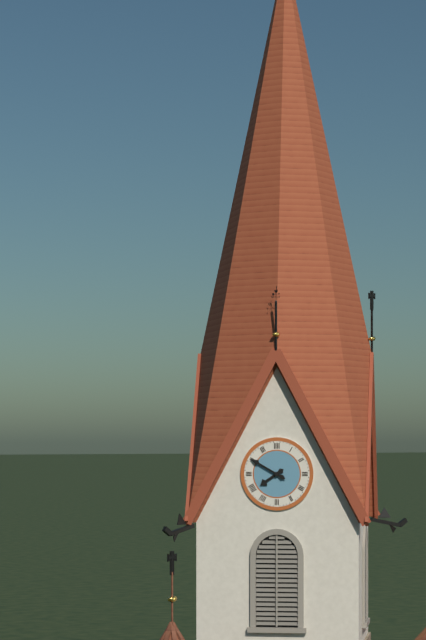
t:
7,50
